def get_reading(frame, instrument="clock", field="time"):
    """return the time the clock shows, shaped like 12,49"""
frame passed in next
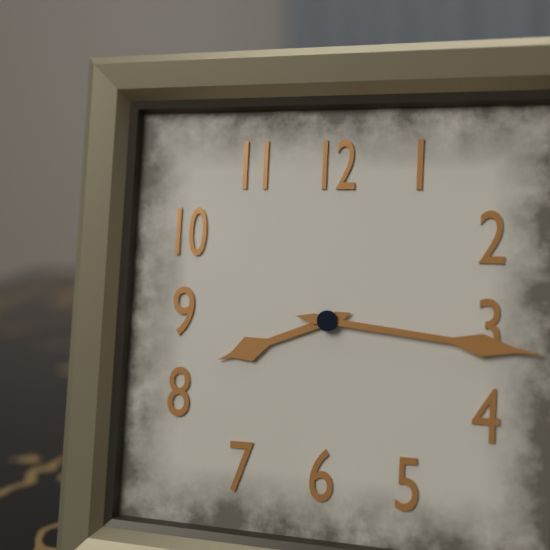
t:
8,16
